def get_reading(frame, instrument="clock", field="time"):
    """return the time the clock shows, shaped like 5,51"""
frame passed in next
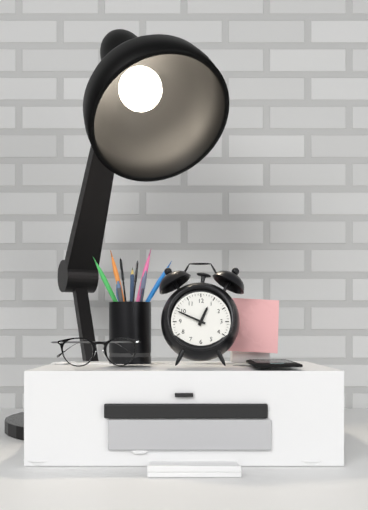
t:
12,49
